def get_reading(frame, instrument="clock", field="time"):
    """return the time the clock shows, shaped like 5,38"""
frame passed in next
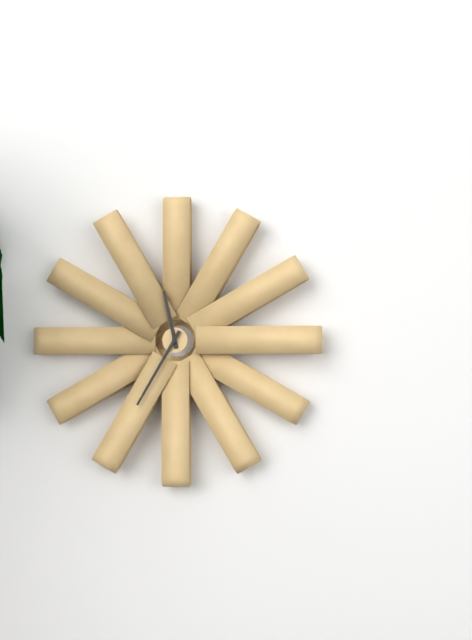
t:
11,35
